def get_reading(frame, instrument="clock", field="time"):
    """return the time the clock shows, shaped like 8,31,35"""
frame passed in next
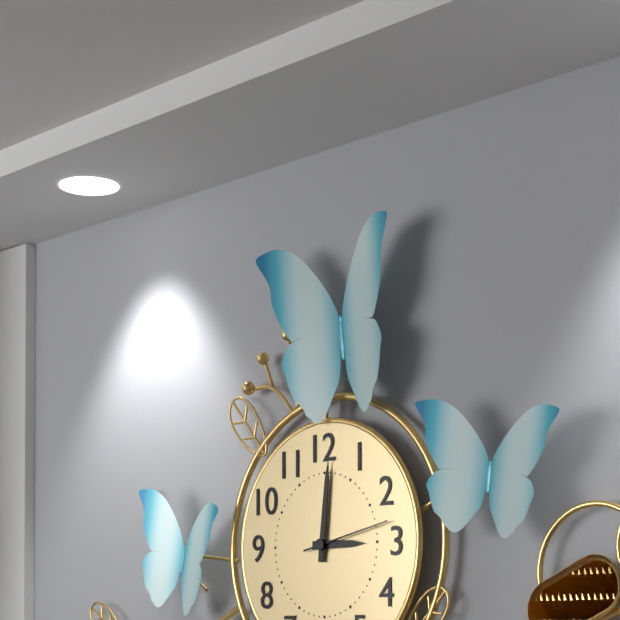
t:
3,01,13
